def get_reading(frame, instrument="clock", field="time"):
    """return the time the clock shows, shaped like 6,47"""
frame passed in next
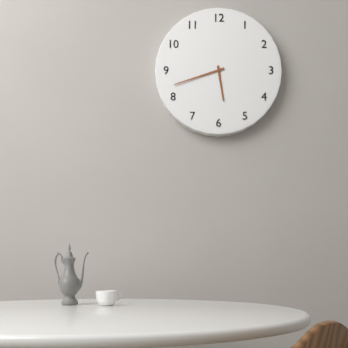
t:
5,42
